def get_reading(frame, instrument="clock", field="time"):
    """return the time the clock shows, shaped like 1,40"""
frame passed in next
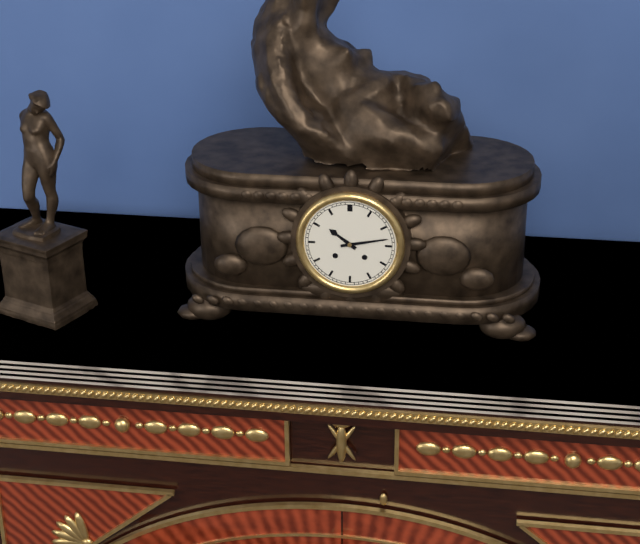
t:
10,13
